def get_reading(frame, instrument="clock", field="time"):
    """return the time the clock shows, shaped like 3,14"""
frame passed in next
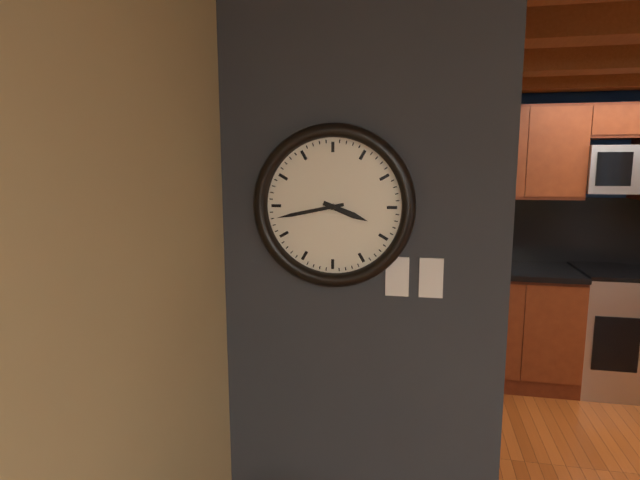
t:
3,43
